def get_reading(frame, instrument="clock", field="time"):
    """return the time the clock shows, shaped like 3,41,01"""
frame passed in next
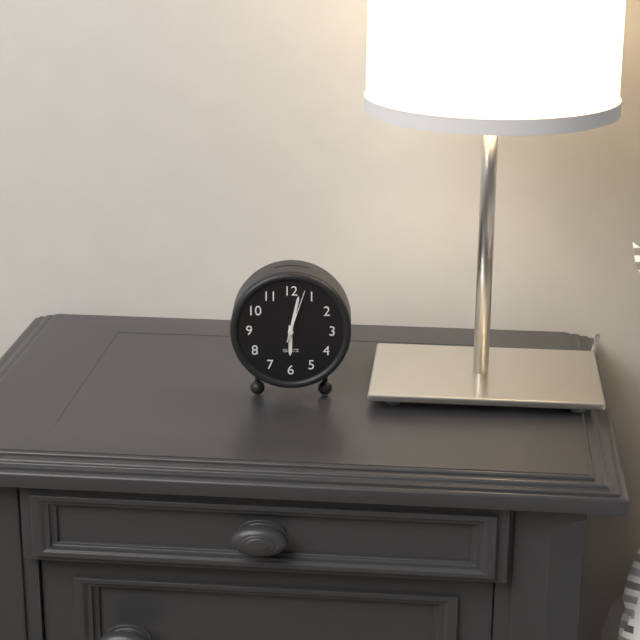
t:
6,02,03
